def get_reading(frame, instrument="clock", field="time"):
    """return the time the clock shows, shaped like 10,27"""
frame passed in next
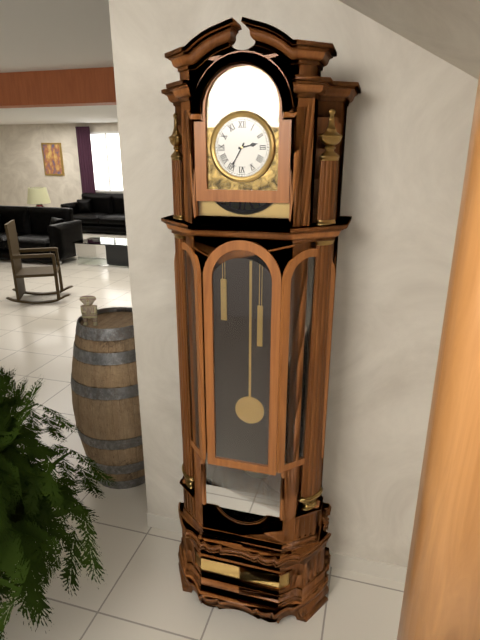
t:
2,35
